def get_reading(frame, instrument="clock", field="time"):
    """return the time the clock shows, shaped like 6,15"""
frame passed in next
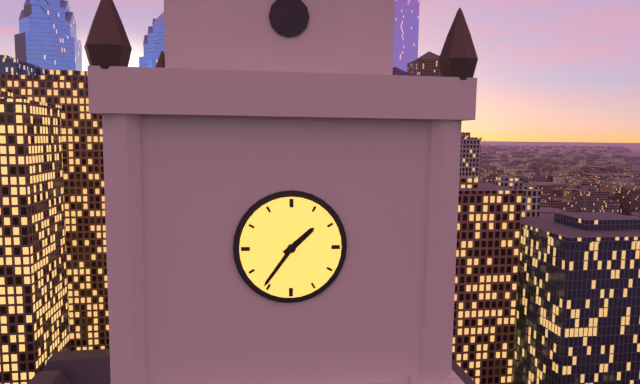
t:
1,36
